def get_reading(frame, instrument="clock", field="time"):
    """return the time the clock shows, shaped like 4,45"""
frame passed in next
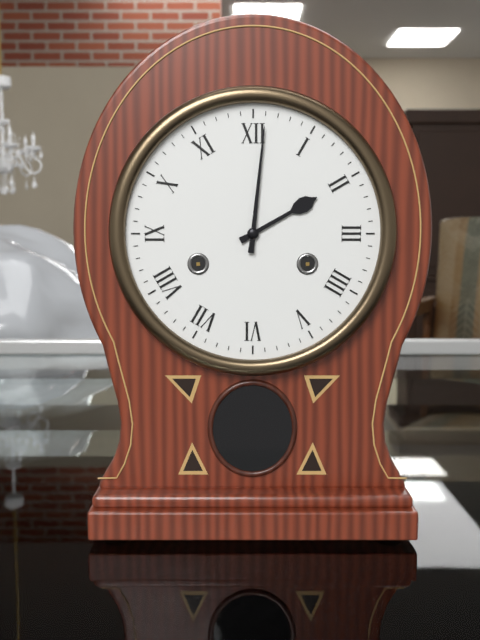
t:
2,01
